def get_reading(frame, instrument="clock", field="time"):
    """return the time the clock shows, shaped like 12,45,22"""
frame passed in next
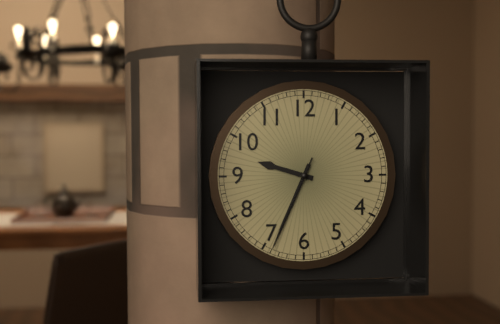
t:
9,34,34
